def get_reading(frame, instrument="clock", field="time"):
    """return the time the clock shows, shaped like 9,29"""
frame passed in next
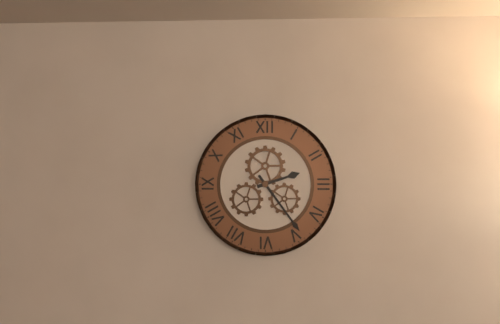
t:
2,24
